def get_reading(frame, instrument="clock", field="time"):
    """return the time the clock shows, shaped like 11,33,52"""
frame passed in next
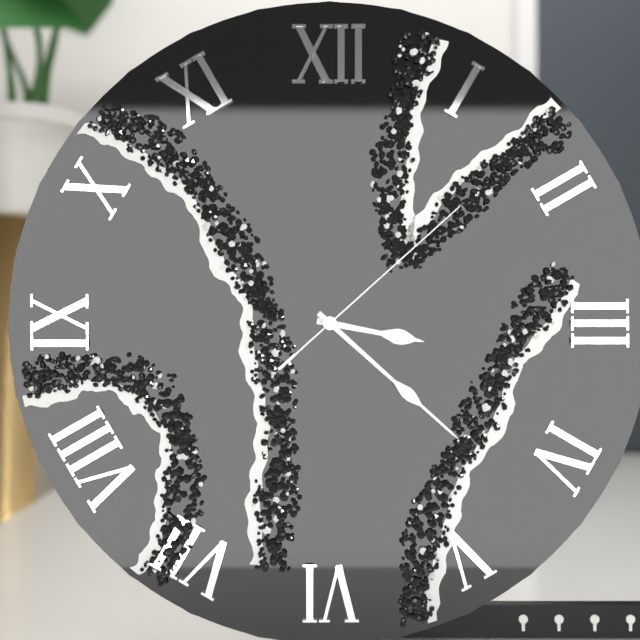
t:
3,22,08
